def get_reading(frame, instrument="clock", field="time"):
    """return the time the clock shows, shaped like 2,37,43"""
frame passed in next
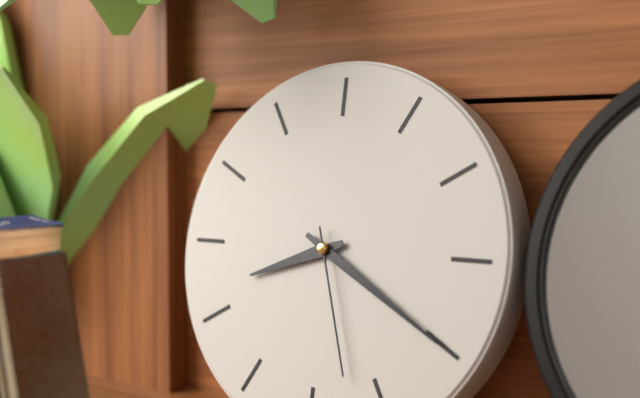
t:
8,20,27
